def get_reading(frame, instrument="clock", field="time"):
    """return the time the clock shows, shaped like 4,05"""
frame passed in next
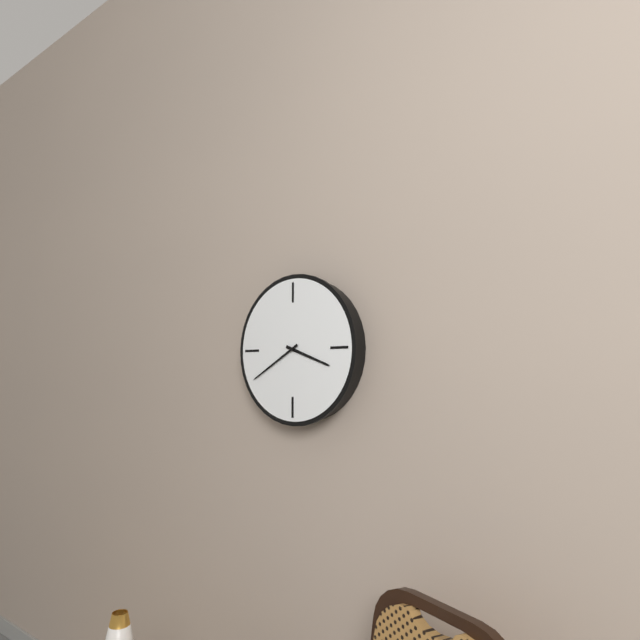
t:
3,40
